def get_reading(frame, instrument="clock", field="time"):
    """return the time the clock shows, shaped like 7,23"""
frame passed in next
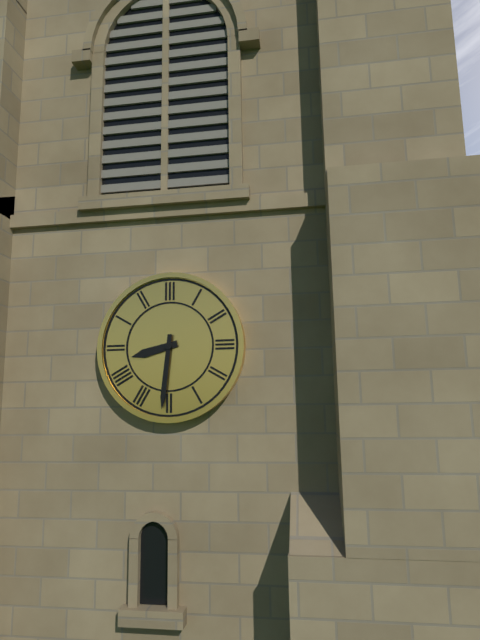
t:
8,31
